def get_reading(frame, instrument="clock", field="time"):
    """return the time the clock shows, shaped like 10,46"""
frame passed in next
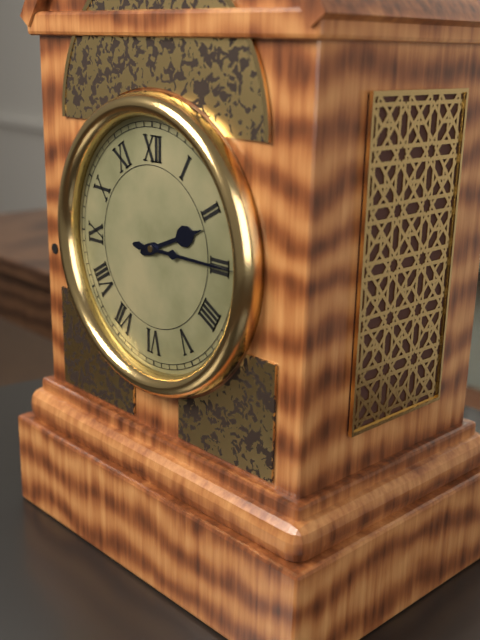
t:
2,15
